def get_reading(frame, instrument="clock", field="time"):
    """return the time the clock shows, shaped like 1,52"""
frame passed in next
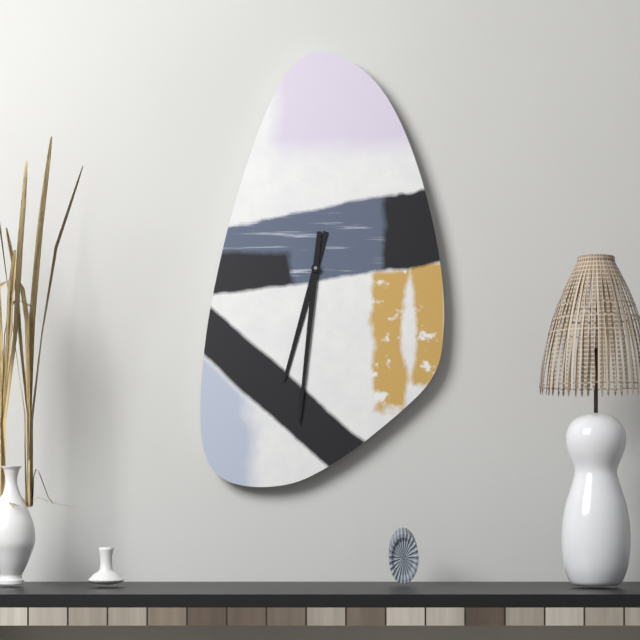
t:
6,31
